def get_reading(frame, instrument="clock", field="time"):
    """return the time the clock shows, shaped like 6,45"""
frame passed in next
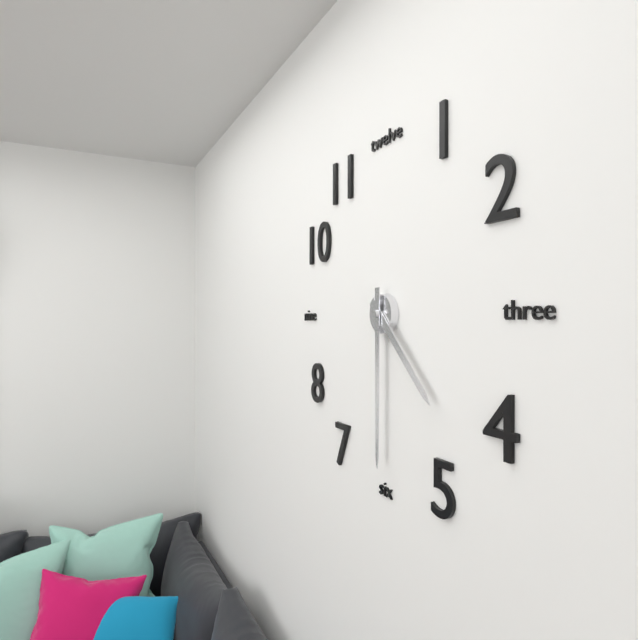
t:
4,30
